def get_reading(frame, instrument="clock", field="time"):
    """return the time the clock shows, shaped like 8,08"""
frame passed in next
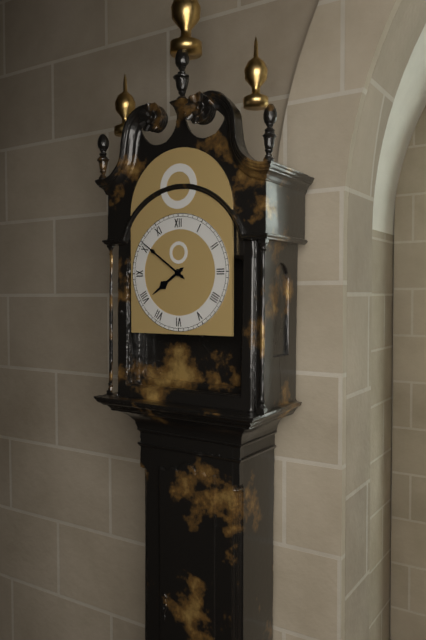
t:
7,51
